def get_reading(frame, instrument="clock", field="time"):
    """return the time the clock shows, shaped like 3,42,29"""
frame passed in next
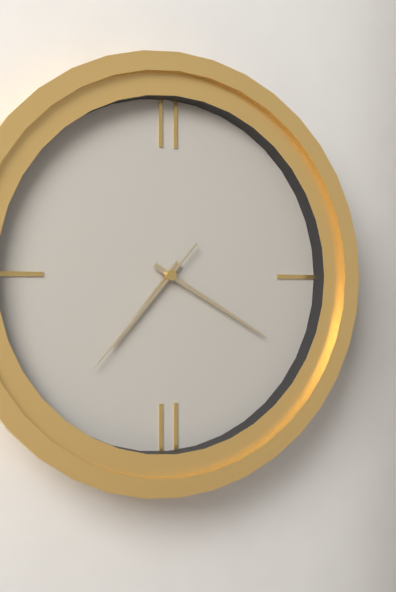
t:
7,20,37
